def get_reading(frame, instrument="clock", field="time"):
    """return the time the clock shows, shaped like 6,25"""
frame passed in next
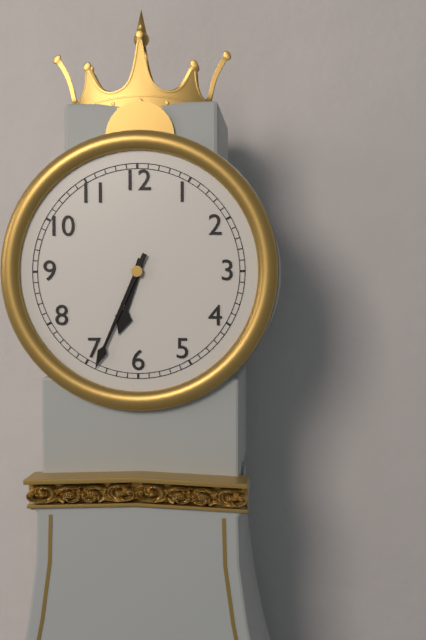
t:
6,34
